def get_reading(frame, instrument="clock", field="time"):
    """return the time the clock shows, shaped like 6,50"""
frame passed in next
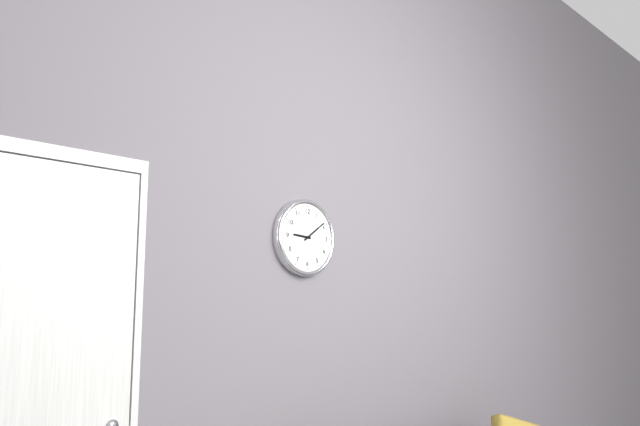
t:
9,09
